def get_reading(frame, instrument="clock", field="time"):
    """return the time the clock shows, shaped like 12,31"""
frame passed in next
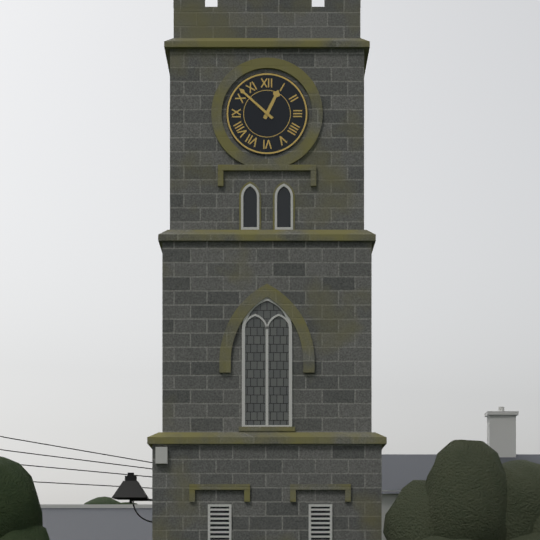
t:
12,52
